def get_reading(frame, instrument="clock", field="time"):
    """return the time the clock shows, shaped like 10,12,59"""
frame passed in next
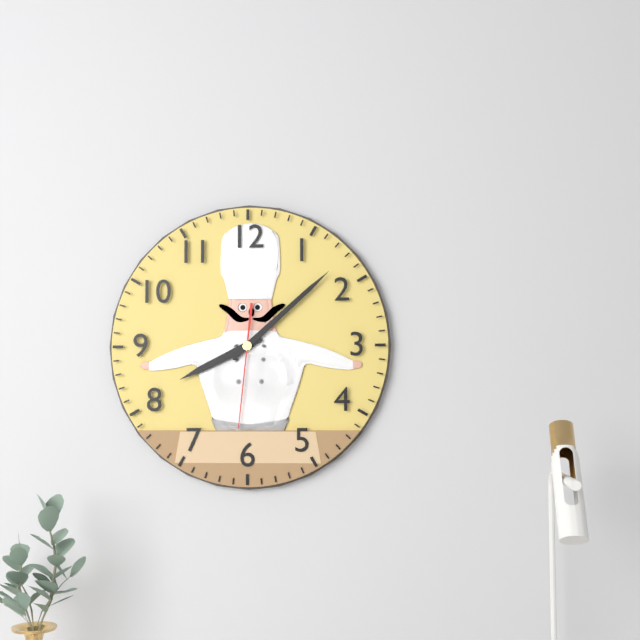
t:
8,08,31
